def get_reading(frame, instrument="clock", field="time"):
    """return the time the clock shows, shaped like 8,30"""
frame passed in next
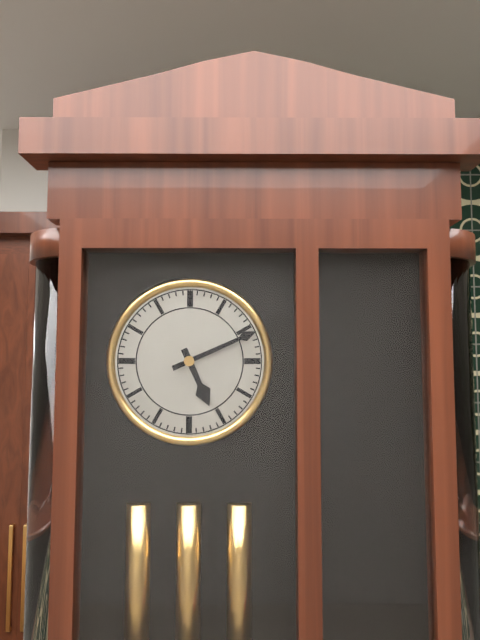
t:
5,11
